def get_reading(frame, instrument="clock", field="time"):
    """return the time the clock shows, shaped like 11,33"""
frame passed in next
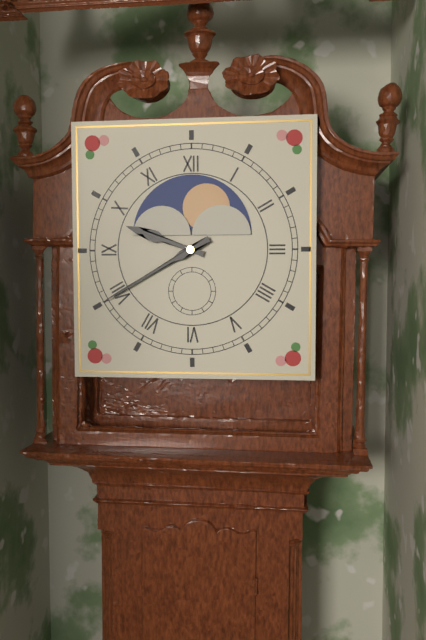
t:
9,40
